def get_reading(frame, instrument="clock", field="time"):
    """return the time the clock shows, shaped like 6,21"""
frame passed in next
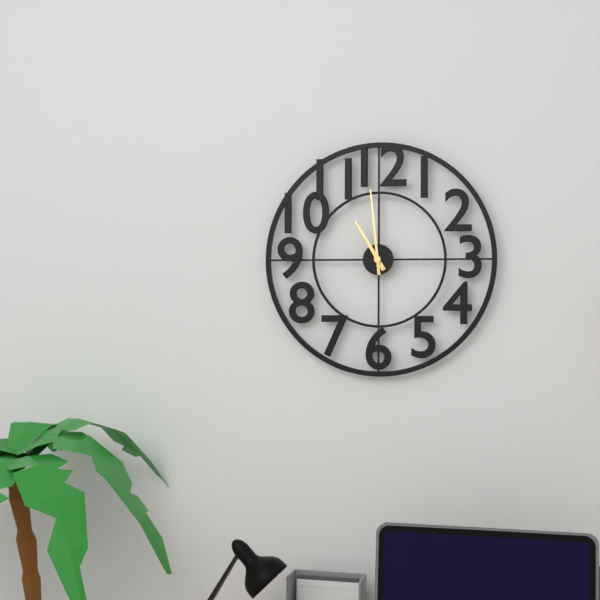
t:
10,59
